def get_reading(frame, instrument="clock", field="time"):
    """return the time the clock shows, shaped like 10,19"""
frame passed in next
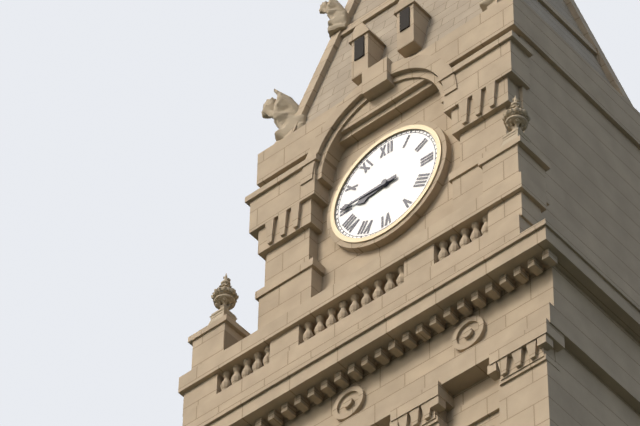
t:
8,45
